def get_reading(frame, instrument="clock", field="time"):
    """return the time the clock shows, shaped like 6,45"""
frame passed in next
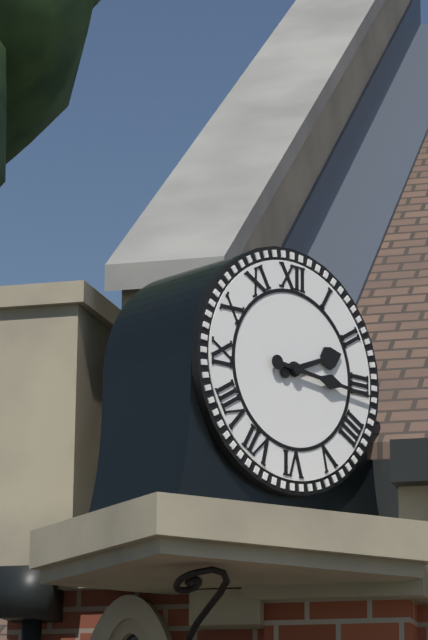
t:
2,16
